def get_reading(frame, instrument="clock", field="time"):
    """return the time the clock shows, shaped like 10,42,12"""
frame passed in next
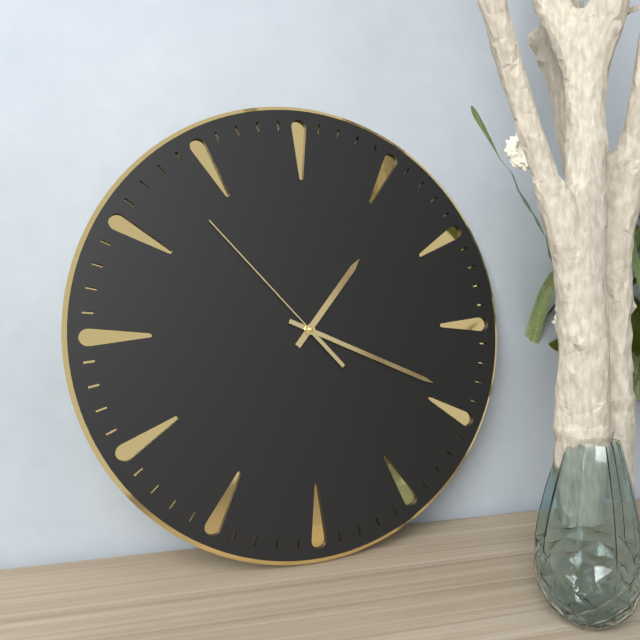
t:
1,19,53
